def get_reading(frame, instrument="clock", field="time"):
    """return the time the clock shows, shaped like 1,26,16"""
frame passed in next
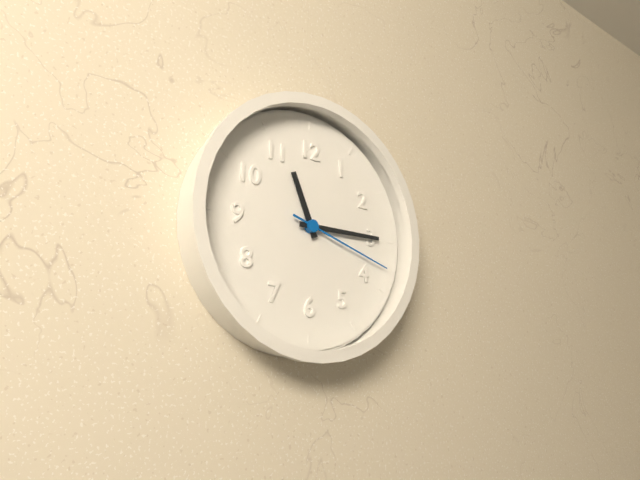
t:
11,15,18
